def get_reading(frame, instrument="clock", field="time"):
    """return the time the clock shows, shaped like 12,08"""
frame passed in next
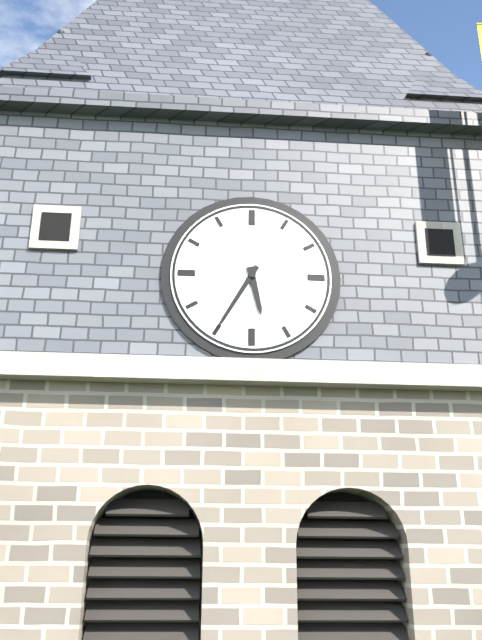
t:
5,35
